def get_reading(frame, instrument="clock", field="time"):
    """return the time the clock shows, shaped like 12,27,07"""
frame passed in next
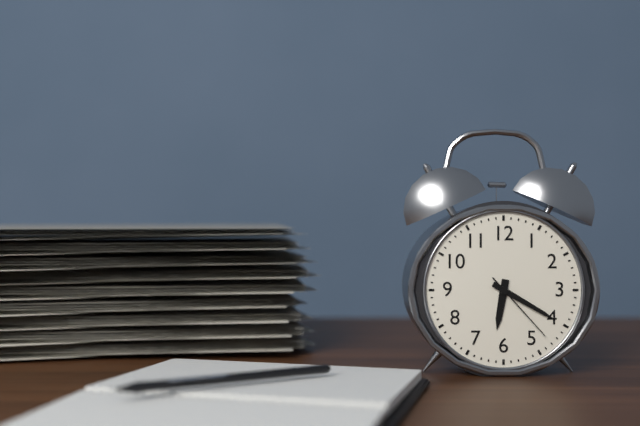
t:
6,20,23
